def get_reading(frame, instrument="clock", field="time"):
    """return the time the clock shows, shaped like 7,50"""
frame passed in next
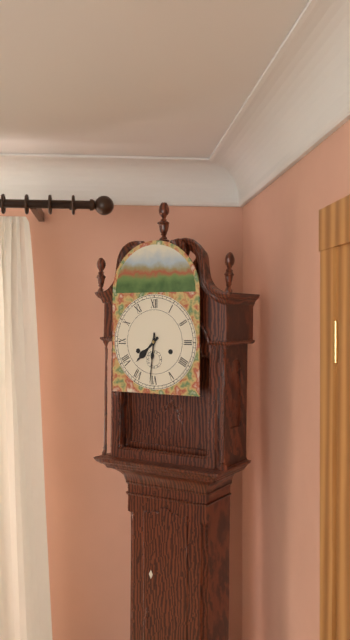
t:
7,31
